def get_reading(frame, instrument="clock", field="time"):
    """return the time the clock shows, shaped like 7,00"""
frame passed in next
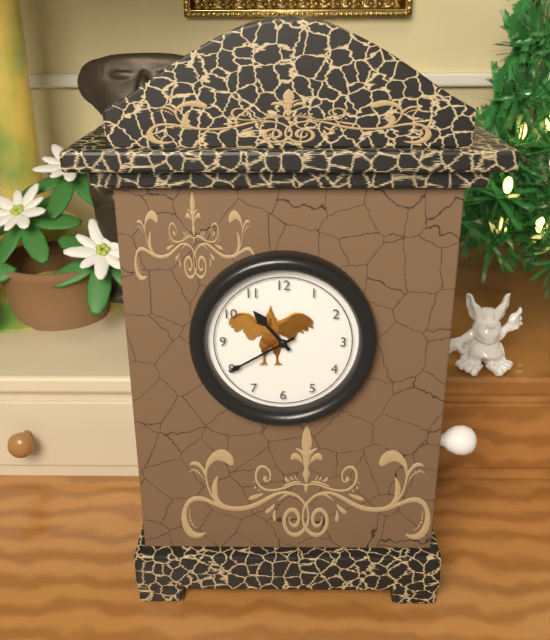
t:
10,40
